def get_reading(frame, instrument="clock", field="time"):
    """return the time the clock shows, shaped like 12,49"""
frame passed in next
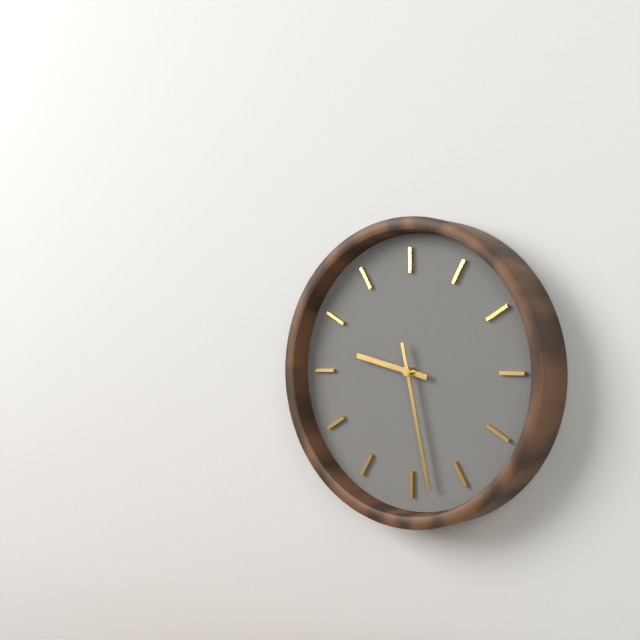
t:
9,28
